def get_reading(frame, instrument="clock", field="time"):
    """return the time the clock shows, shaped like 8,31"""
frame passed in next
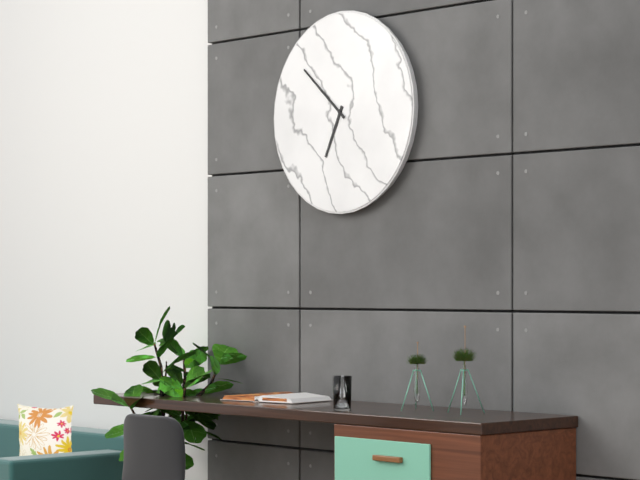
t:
6,52
